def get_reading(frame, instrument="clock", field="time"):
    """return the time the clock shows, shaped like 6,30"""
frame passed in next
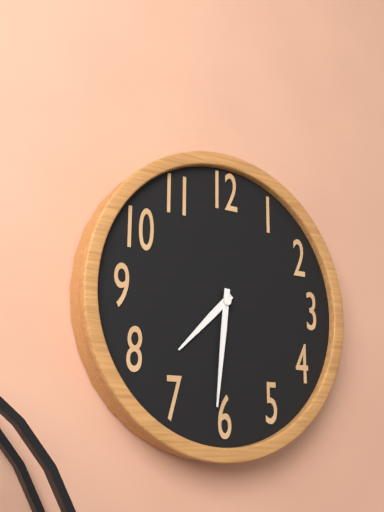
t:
7,31
